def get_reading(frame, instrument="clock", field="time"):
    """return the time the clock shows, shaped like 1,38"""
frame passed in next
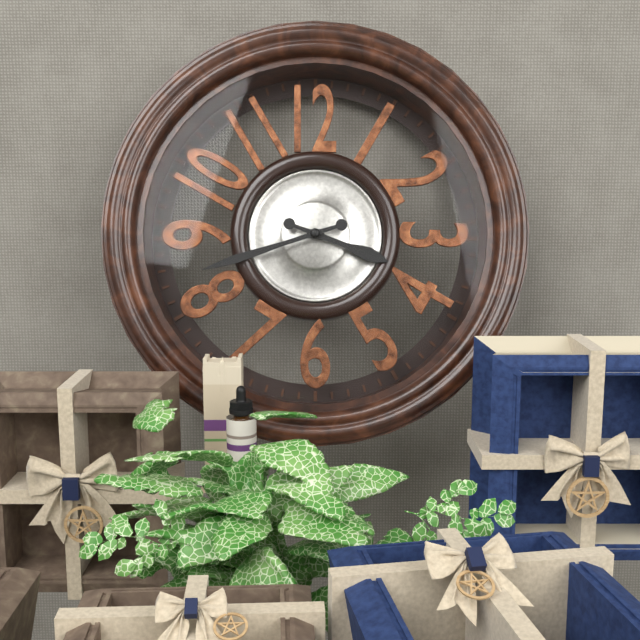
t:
3,42
